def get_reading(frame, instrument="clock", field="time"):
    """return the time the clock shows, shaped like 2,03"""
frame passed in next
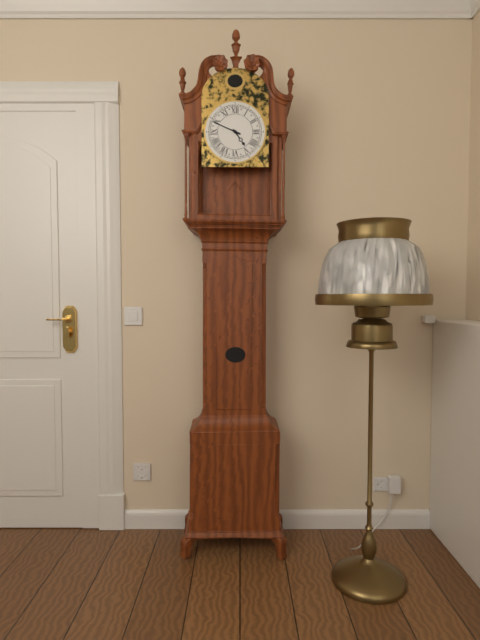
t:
4,49
